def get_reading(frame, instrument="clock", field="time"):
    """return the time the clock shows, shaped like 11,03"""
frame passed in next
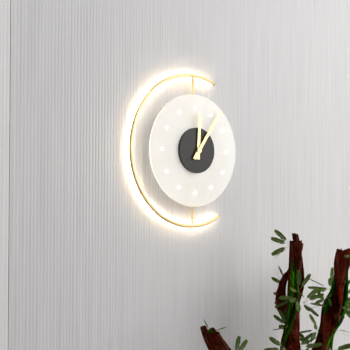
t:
12,06
